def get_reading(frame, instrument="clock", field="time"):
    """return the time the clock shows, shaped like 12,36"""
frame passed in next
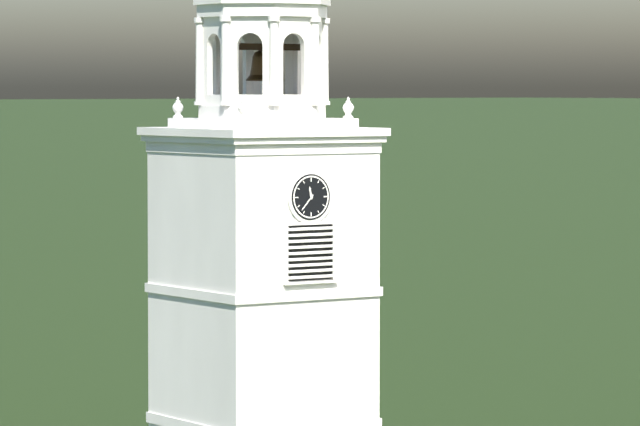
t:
11,37
